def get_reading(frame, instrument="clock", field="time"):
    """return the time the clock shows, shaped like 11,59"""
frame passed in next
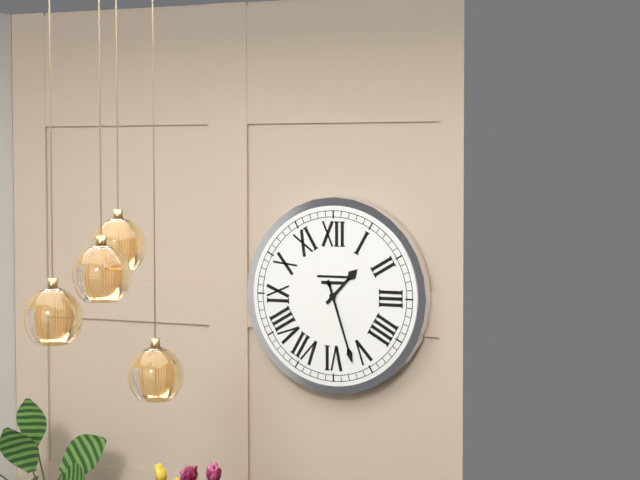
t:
1,27
